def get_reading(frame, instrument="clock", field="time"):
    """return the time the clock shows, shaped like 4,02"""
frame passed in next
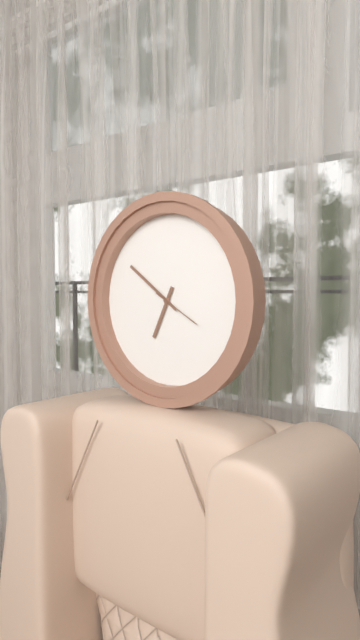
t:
6,51
